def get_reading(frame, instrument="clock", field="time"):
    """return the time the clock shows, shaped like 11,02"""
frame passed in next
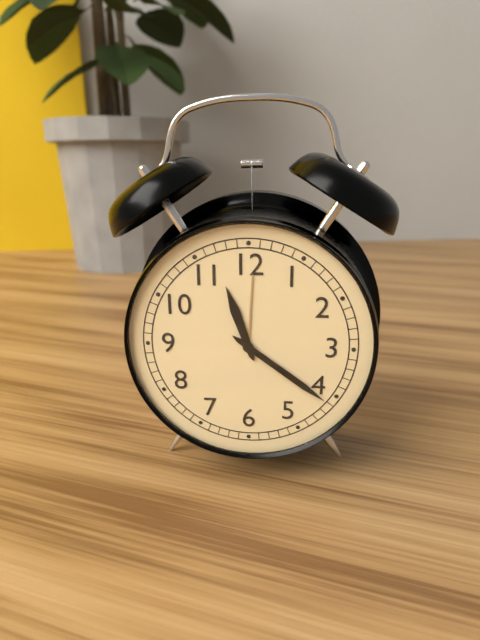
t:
11,21
